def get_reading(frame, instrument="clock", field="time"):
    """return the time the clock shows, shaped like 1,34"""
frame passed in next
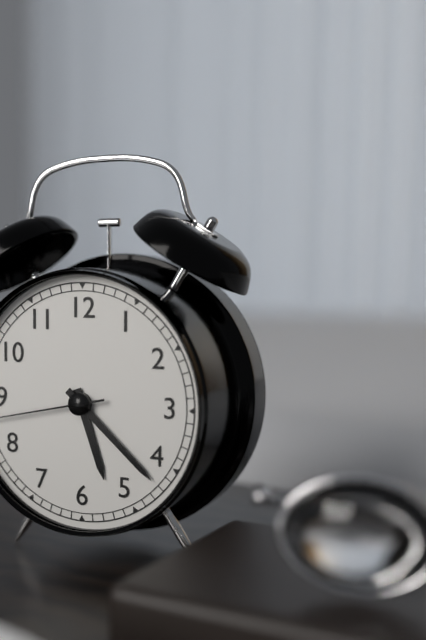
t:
5,22
